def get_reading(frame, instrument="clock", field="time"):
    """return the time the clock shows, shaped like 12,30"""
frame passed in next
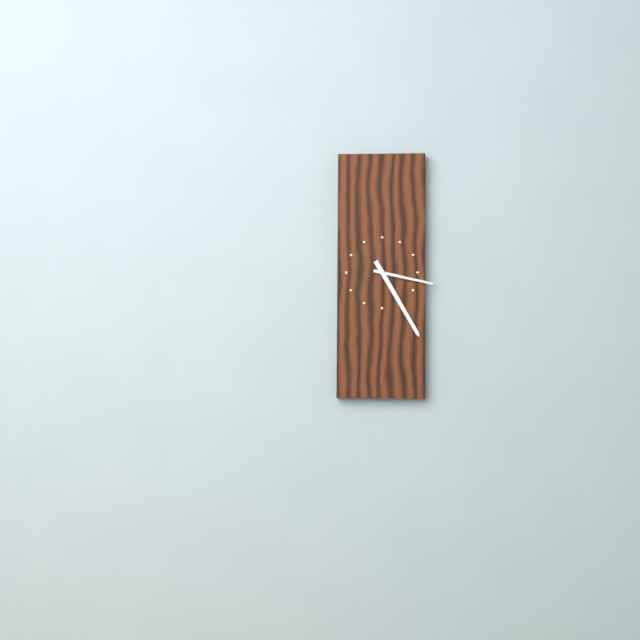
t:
3,25
